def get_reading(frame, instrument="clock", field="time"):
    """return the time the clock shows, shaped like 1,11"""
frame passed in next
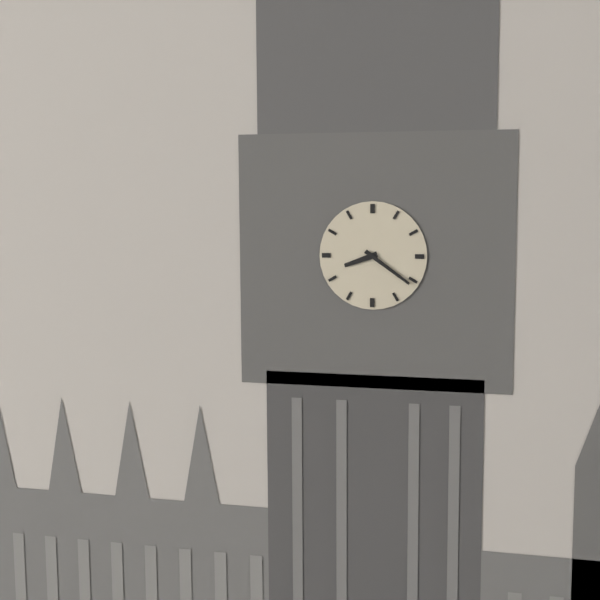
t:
8,21
